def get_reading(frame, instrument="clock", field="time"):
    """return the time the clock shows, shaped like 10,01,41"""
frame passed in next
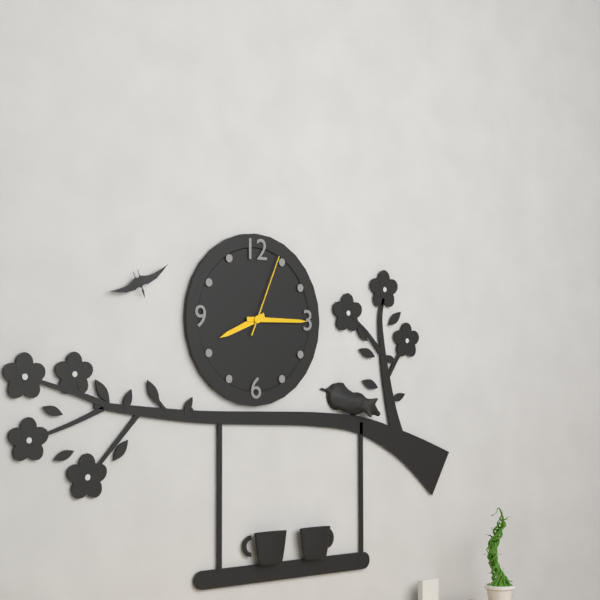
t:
8,15,04
